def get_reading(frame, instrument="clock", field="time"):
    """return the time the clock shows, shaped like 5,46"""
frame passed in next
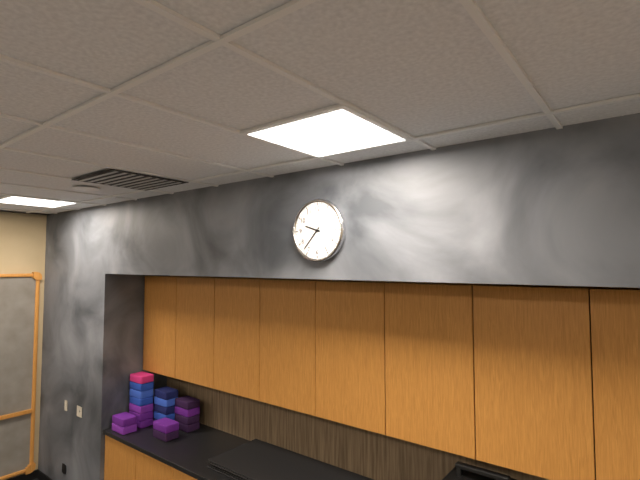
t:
9,37
